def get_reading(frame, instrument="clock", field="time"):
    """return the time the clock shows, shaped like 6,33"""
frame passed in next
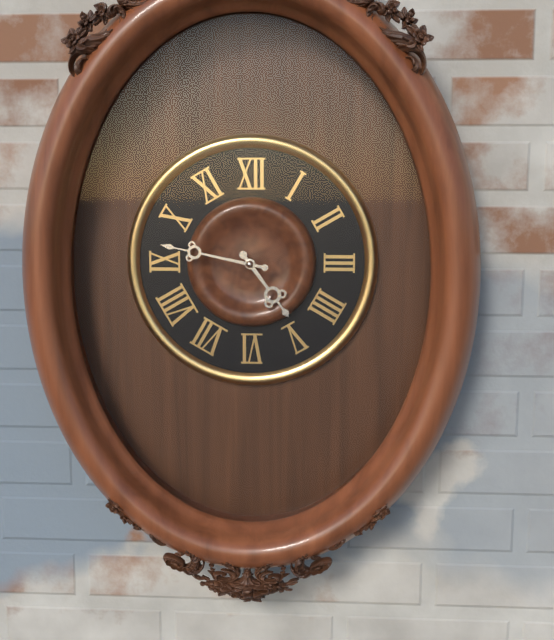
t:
4,47
